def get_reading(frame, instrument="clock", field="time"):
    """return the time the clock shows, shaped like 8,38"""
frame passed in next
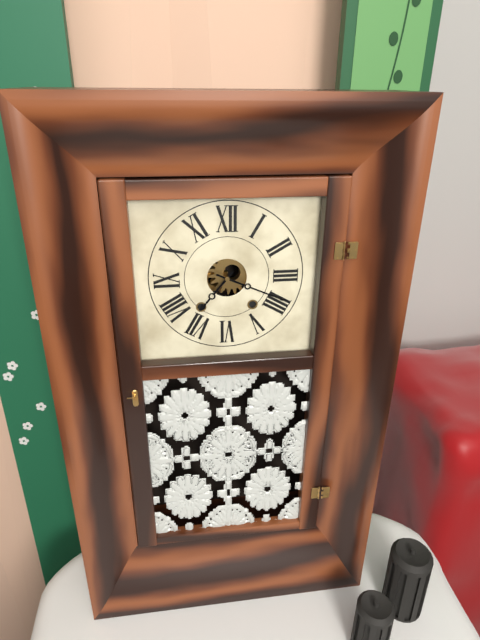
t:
7,19
